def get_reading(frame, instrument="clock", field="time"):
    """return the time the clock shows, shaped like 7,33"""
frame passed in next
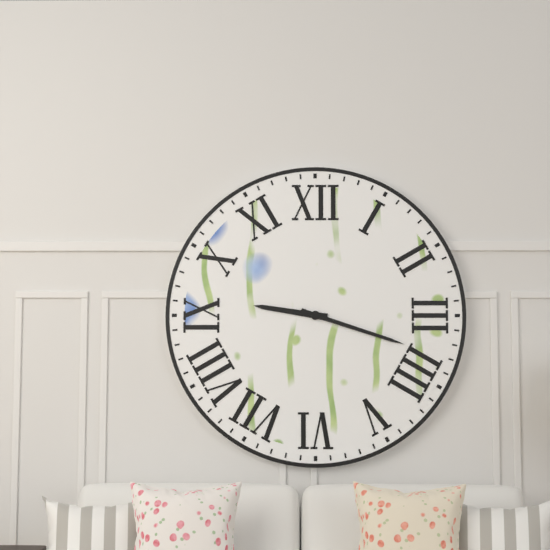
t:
9,18
